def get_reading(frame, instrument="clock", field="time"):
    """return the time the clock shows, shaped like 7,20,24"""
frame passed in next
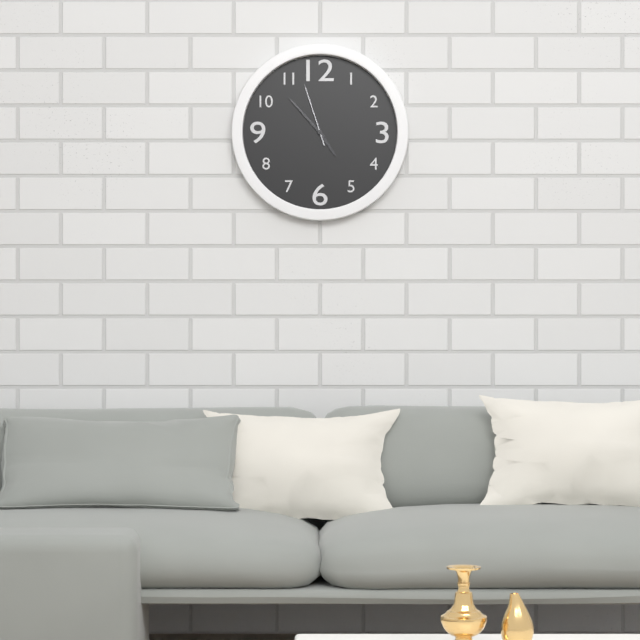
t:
4,53,57
